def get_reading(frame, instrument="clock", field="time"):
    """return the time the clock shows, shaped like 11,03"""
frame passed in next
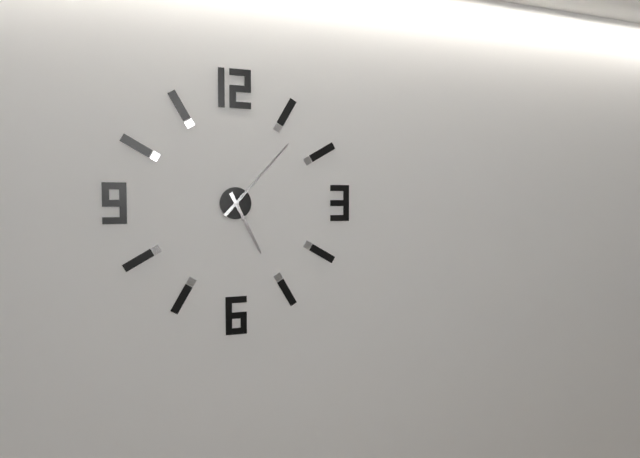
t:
5,07
